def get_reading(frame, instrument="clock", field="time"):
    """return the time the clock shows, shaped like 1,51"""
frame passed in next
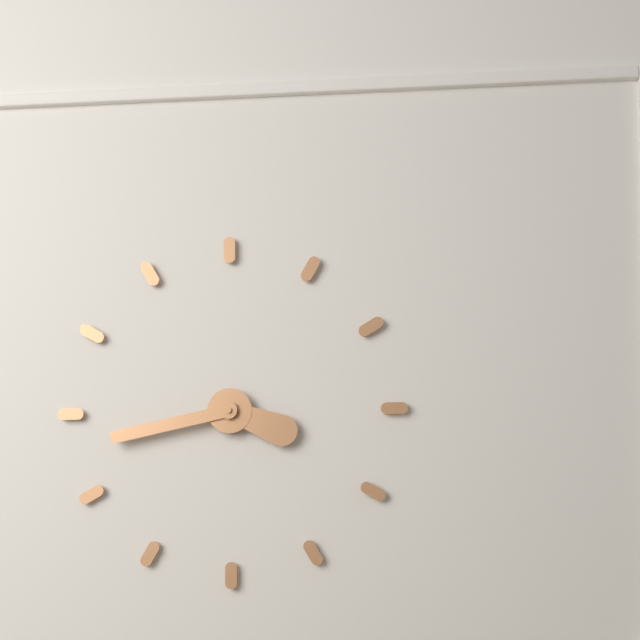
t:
3,43
